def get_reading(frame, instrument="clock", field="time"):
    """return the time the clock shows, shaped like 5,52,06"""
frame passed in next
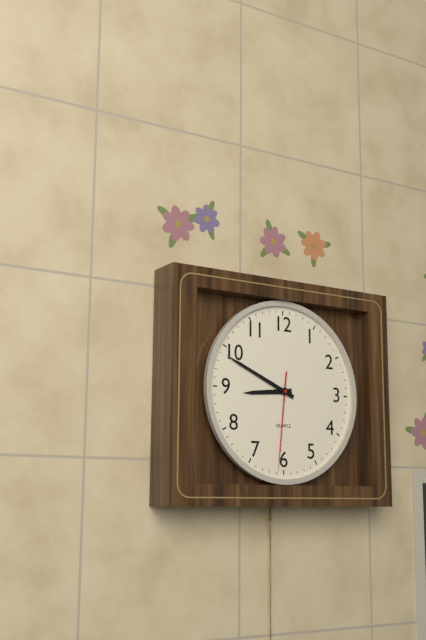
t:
8,49,31
